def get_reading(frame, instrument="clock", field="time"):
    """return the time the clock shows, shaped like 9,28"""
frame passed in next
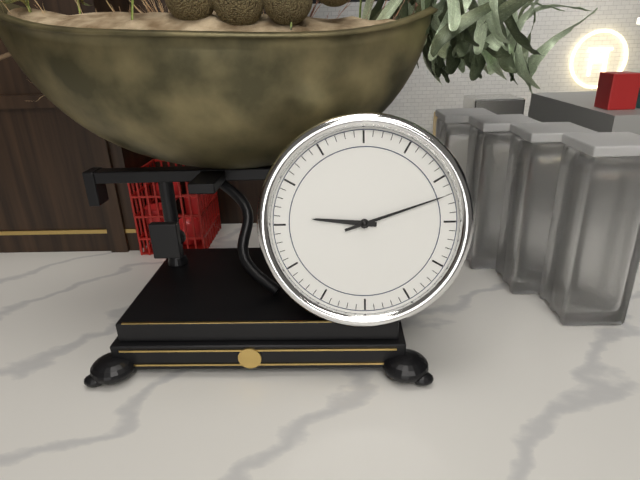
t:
9,12
